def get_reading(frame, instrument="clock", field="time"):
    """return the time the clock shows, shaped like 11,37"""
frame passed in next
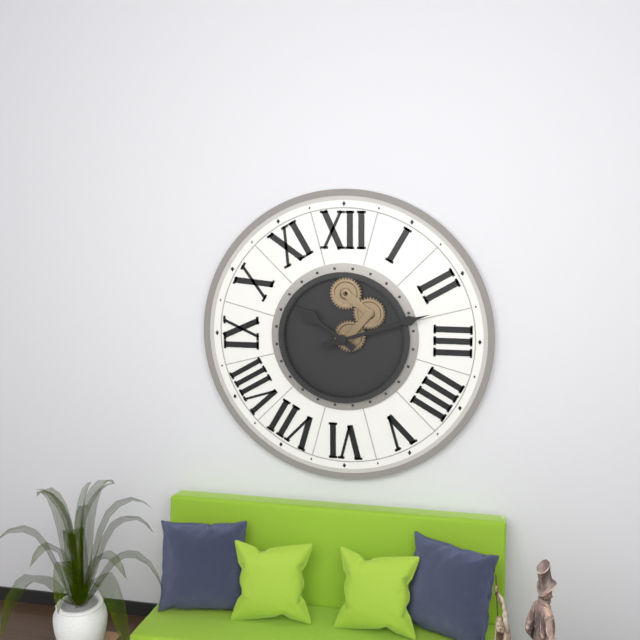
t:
10,12
